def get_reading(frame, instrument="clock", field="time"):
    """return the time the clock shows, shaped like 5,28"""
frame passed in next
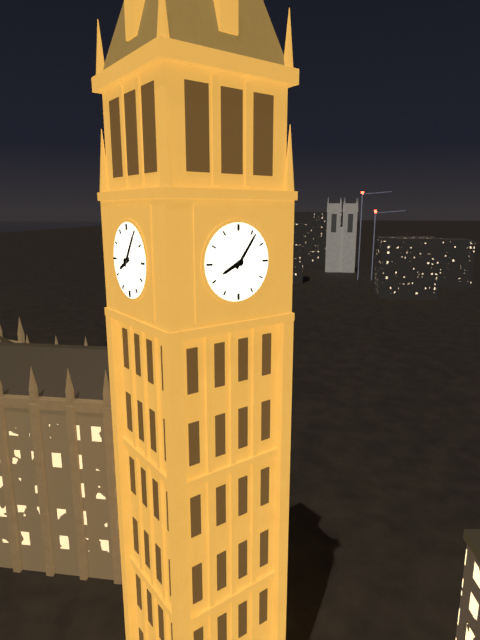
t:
8,06
